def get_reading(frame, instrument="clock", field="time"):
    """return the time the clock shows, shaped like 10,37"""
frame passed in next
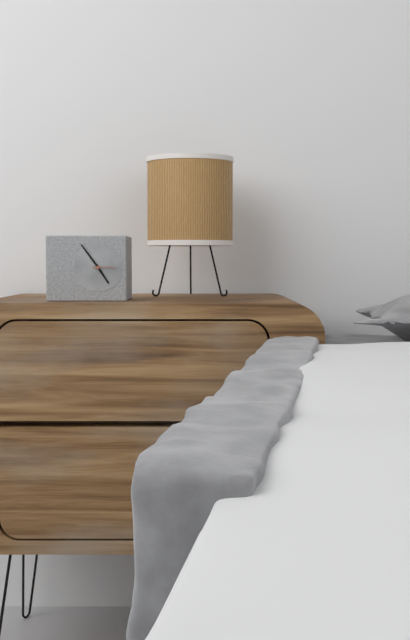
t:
4,54
